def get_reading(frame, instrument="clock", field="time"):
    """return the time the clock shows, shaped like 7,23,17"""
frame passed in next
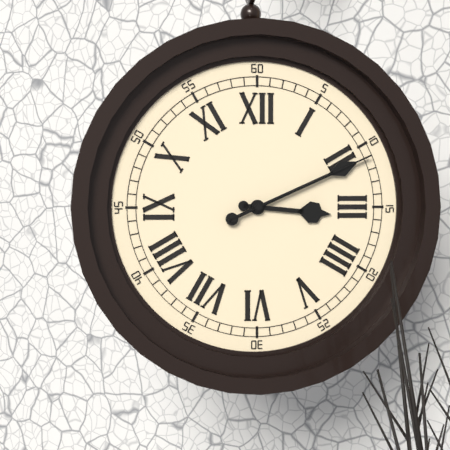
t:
3,11,11
